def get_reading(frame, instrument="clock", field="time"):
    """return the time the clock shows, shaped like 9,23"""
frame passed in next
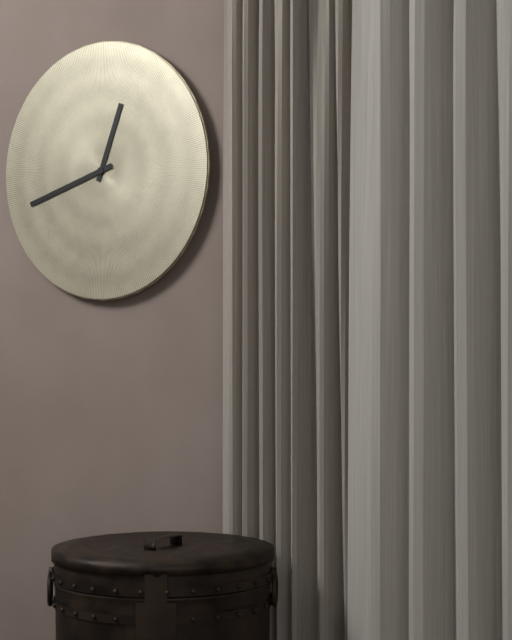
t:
12,42
